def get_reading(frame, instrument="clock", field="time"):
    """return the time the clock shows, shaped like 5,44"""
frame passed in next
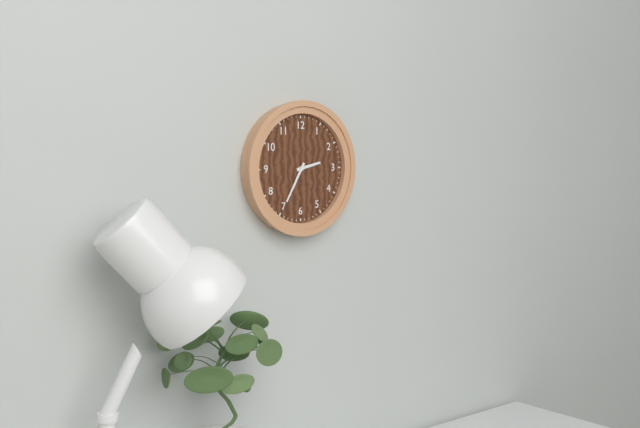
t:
2,35
